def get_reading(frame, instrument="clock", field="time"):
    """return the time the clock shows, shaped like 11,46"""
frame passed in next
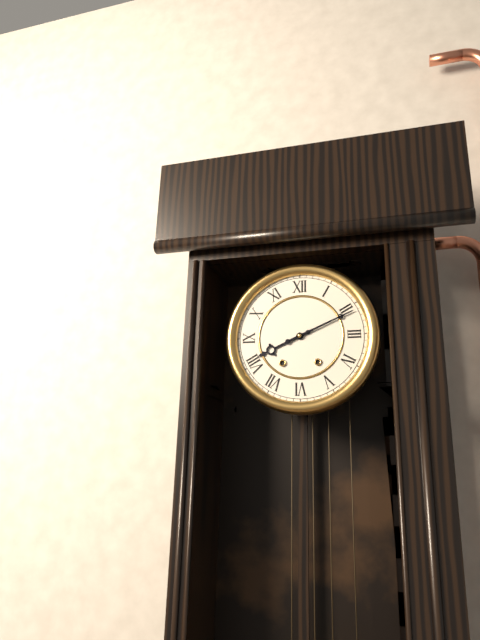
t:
8,11
